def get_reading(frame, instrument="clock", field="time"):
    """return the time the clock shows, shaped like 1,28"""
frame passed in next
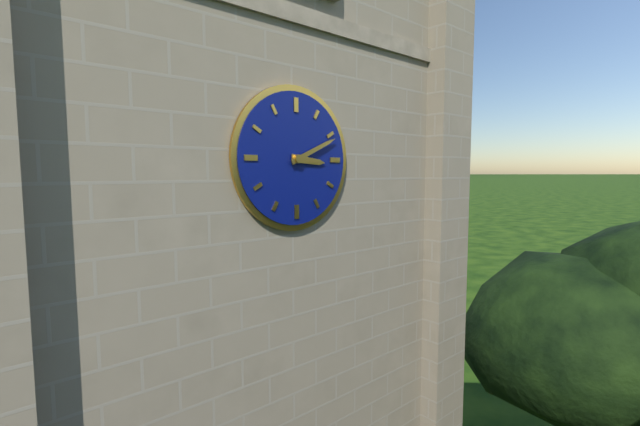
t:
3,11
